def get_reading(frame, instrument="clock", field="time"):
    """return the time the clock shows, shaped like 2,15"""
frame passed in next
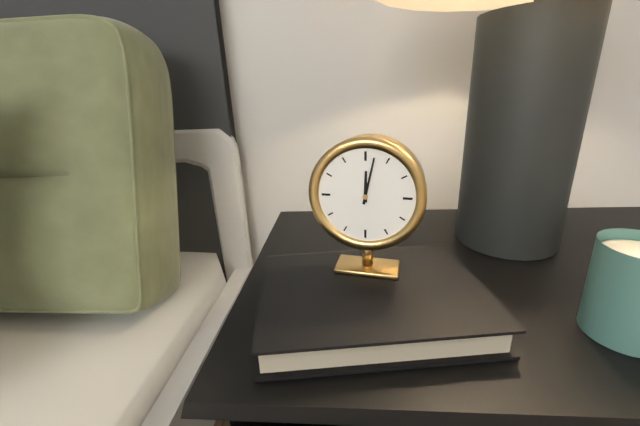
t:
12,02
